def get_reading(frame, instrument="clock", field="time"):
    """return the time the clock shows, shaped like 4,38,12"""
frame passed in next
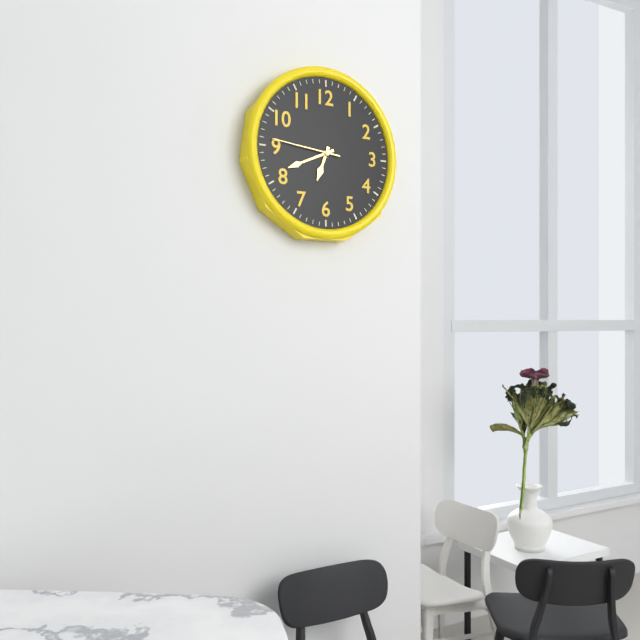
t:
6,41,46
